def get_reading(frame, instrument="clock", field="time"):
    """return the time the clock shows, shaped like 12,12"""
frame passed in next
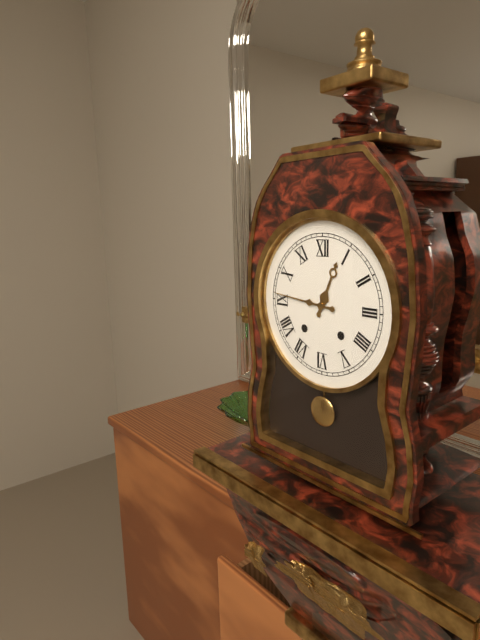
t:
12,46
